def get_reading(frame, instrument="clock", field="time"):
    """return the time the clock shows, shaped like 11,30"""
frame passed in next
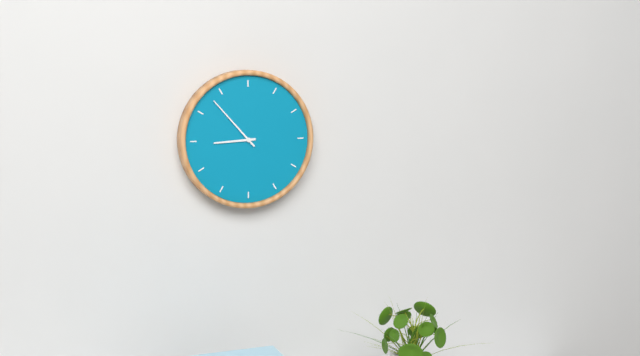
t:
8,53
